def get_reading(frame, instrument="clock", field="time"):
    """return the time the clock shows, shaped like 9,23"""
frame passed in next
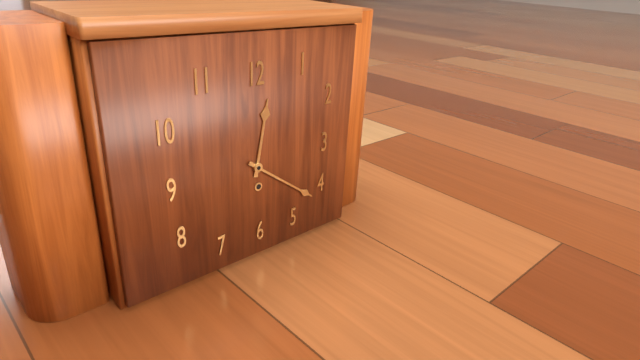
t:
12,21
